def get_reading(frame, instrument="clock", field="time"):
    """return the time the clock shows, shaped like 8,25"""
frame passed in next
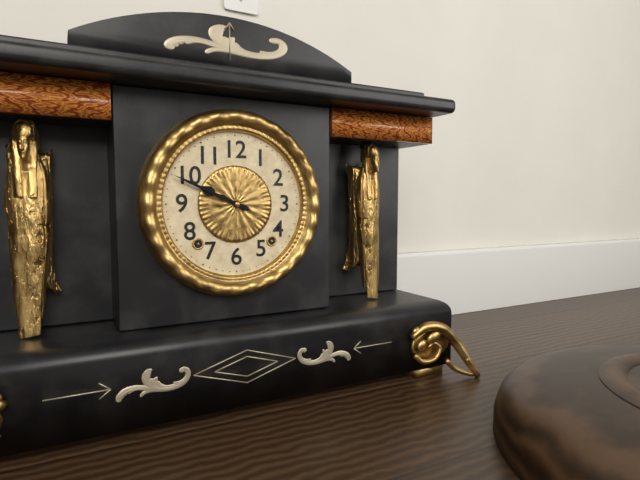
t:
9,49
